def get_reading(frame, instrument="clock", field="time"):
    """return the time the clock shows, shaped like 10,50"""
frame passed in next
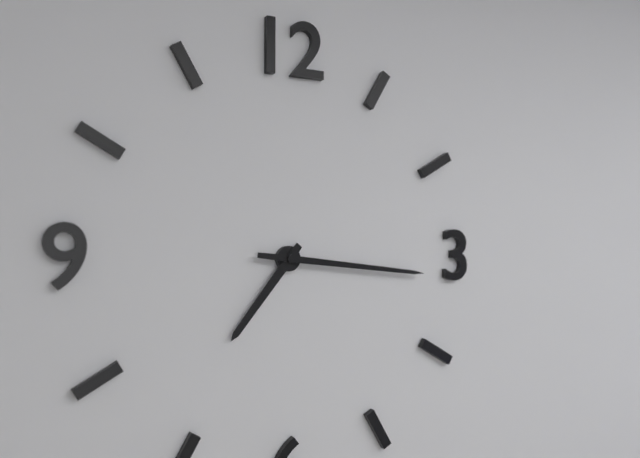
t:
7,16
